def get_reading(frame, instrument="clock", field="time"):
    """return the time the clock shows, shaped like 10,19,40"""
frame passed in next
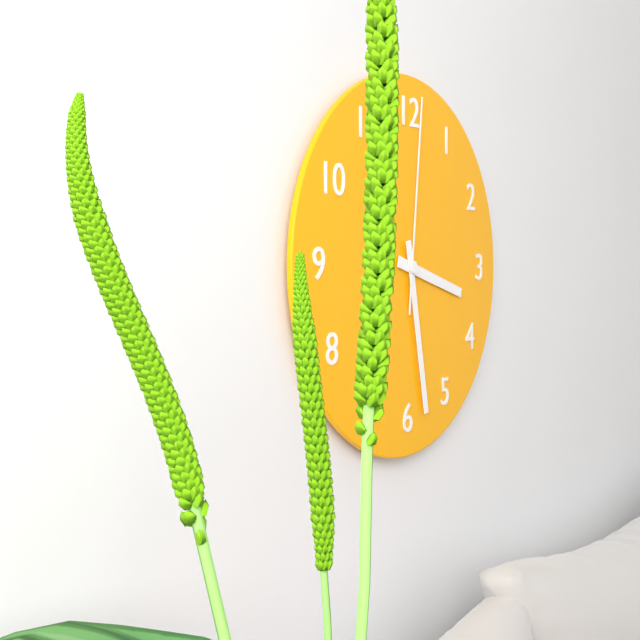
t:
3,28,01
